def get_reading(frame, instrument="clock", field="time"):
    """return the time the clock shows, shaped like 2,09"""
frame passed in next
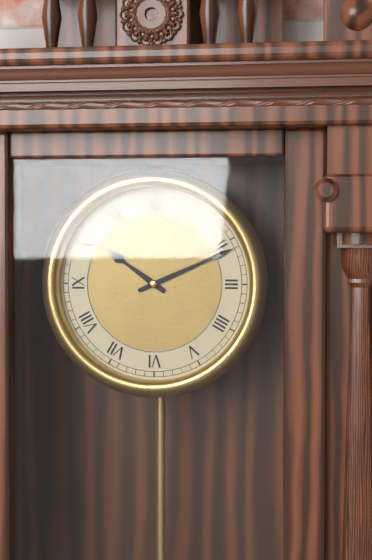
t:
10,11
